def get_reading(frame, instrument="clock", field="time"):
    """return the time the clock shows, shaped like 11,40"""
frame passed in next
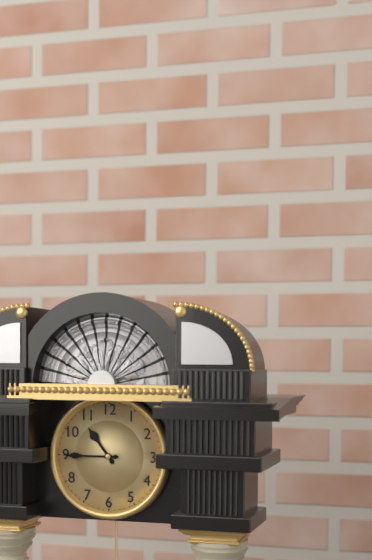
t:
10,45
